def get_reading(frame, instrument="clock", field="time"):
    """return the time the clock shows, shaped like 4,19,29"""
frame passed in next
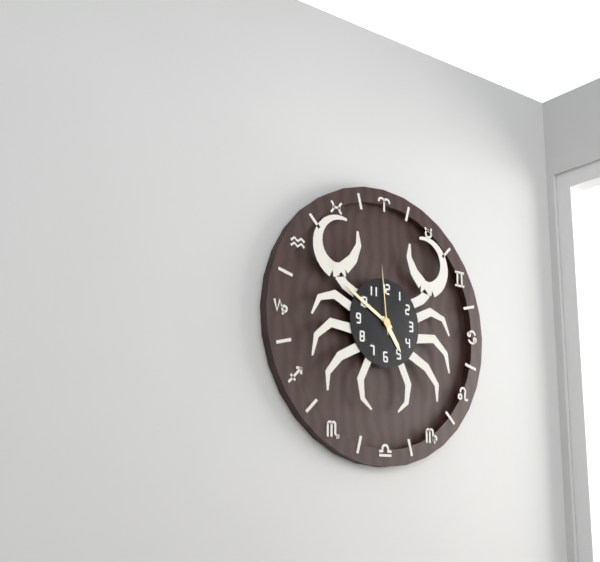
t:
4,50,59
